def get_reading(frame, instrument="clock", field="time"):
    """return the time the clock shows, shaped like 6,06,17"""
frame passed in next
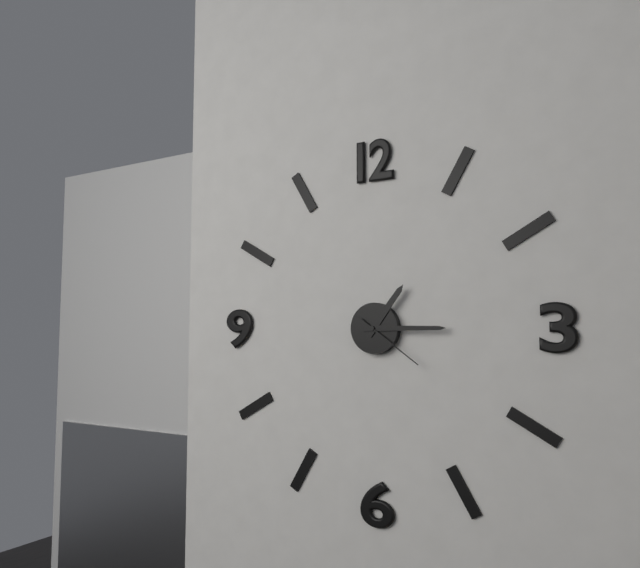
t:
1,15,21
